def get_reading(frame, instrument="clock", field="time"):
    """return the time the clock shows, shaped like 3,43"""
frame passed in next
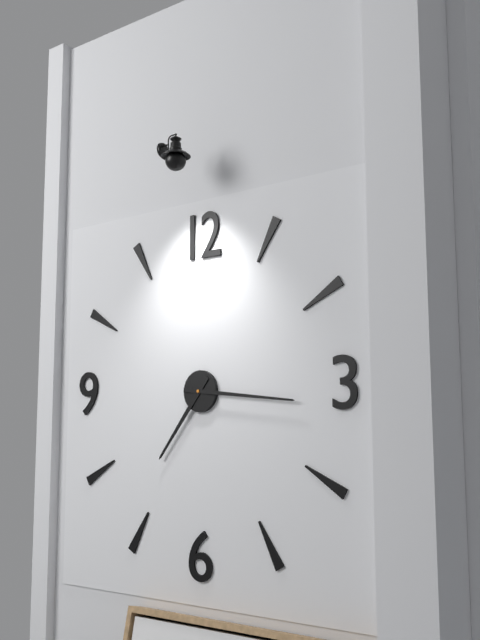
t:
7,16
